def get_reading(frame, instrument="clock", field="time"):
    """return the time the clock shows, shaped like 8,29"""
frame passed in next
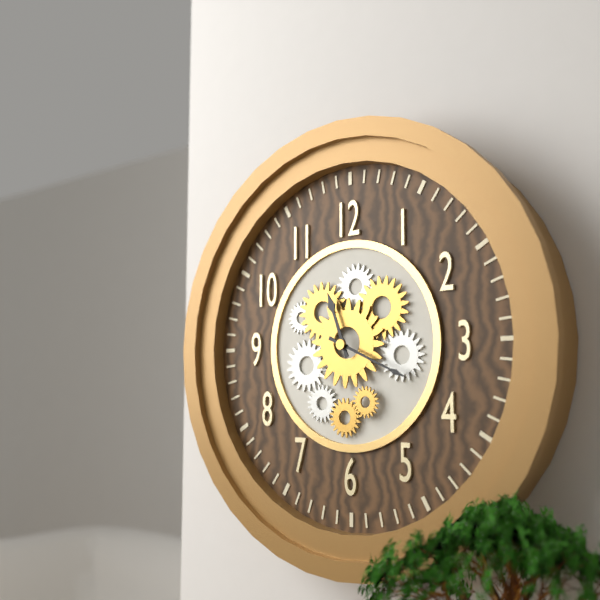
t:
11,19
